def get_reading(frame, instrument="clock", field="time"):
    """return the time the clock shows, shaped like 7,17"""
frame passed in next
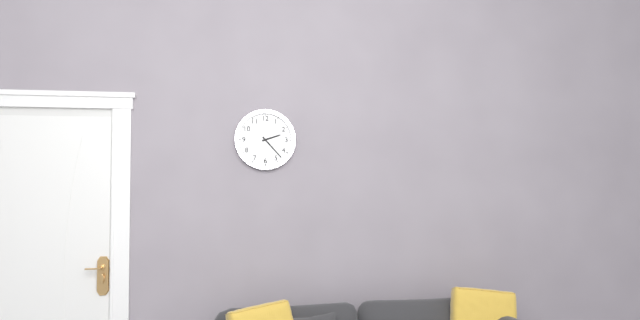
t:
2,23
